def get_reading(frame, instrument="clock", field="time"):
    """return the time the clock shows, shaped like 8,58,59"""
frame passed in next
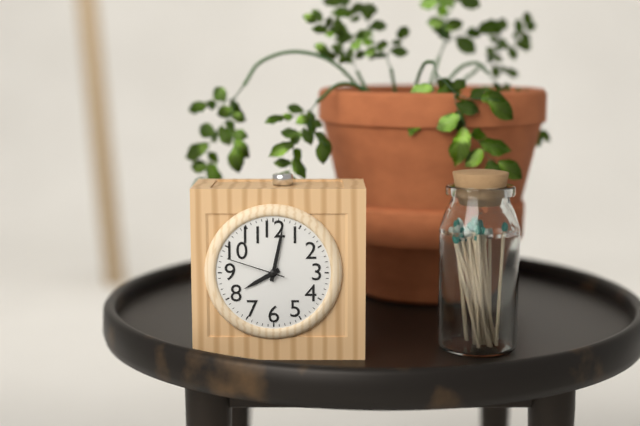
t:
8,02,48
